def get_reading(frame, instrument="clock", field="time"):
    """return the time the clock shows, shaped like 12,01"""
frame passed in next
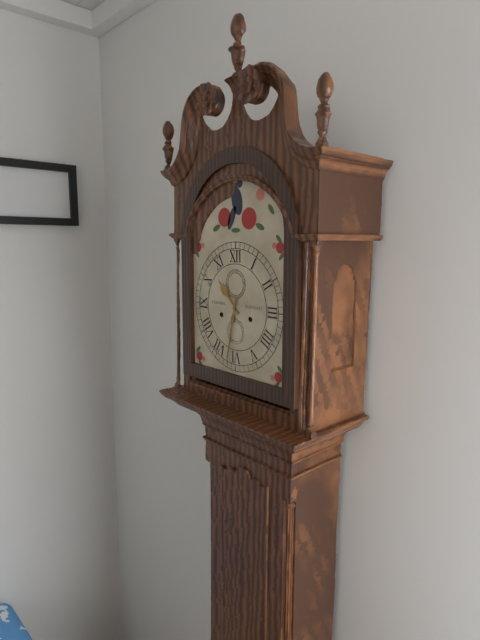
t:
10,32
